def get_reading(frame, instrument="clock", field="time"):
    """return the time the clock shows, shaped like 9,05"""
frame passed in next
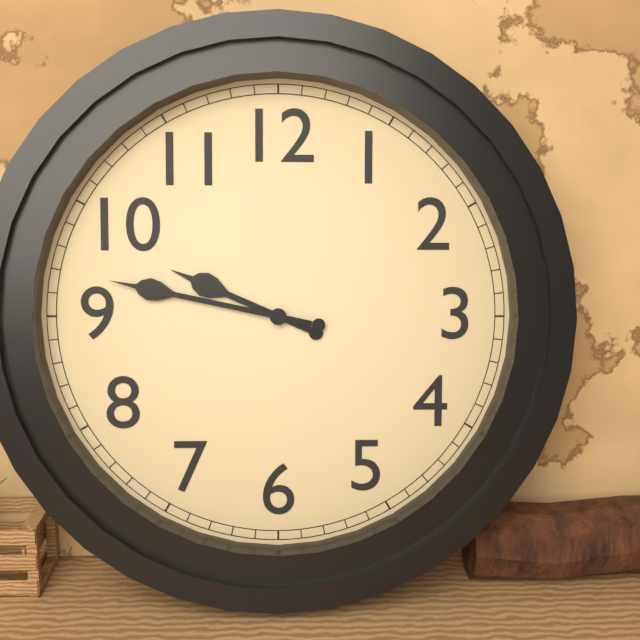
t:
9,47
